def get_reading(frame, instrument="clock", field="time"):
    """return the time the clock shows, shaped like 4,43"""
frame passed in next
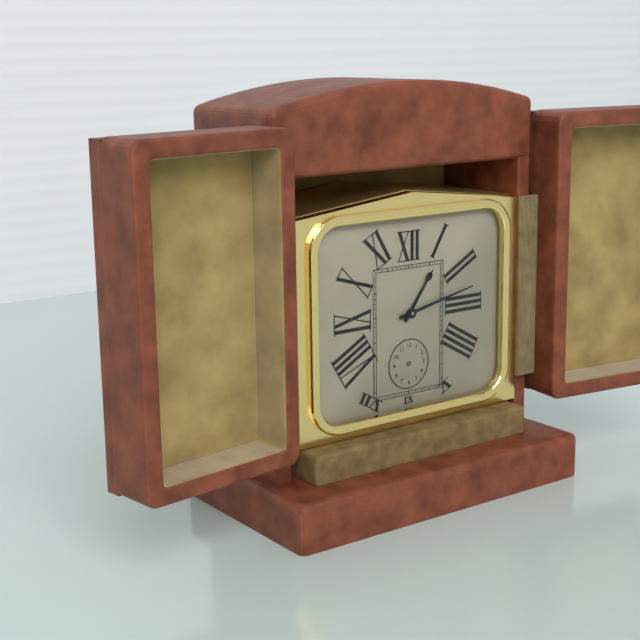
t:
1,13
